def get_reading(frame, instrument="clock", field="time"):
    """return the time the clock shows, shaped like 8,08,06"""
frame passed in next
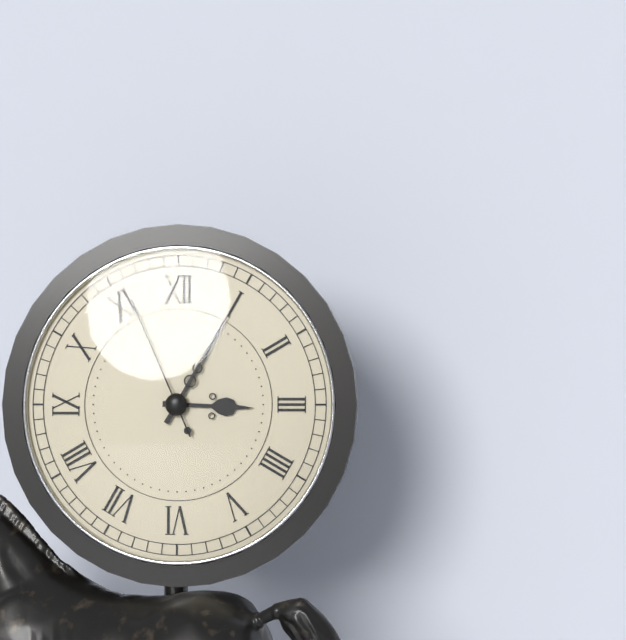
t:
3,05,56
